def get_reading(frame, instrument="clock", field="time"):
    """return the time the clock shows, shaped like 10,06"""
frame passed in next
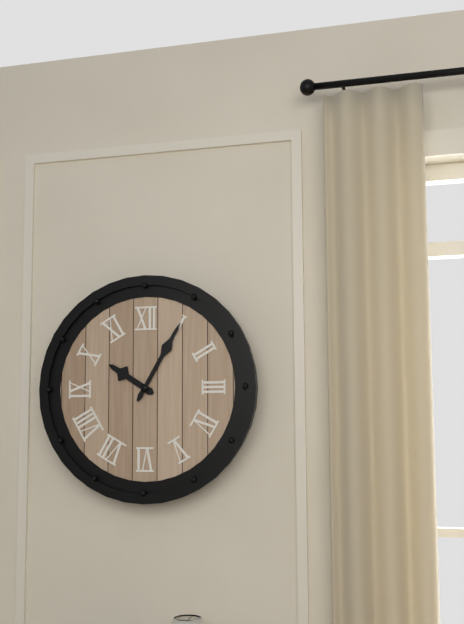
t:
10,05
